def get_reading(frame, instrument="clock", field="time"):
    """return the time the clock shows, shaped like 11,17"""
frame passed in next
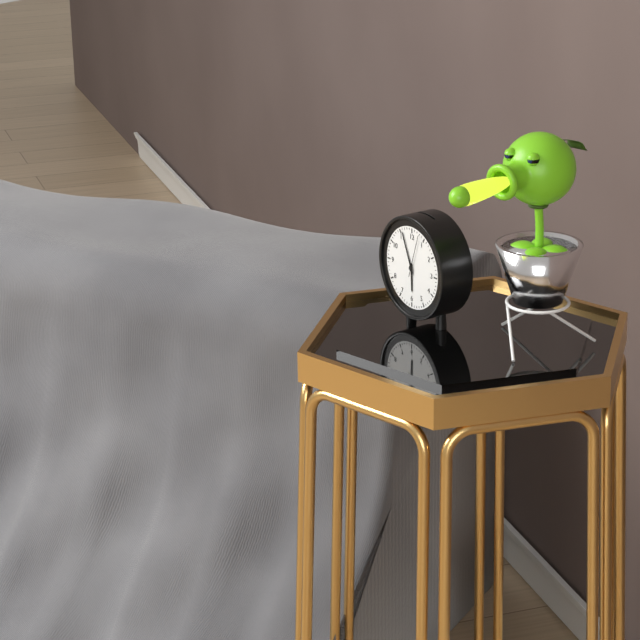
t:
5,56
